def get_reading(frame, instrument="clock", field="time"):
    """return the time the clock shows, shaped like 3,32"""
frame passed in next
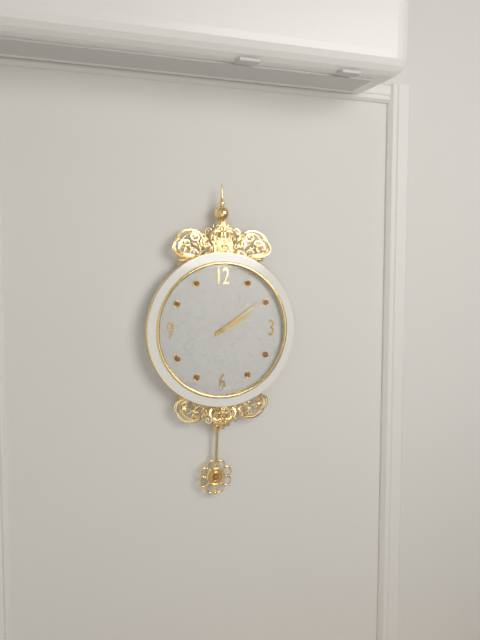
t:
2,09
